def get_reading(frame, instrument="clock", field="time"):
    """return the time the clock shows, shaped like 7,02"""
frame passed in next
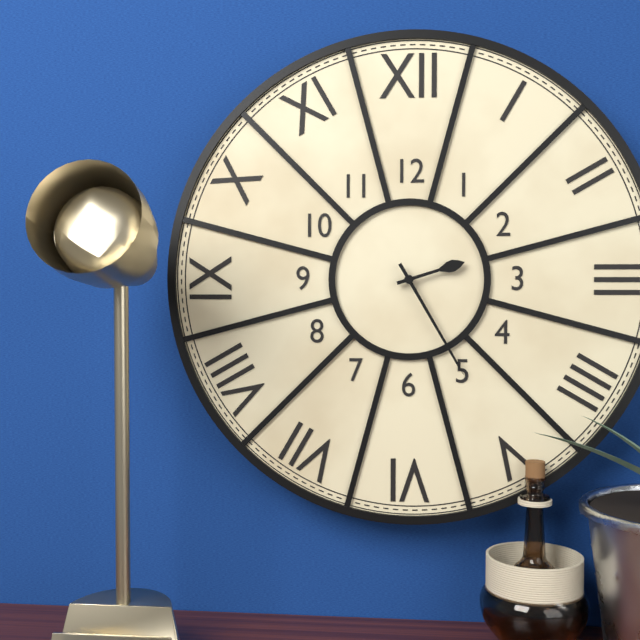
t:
2,25
